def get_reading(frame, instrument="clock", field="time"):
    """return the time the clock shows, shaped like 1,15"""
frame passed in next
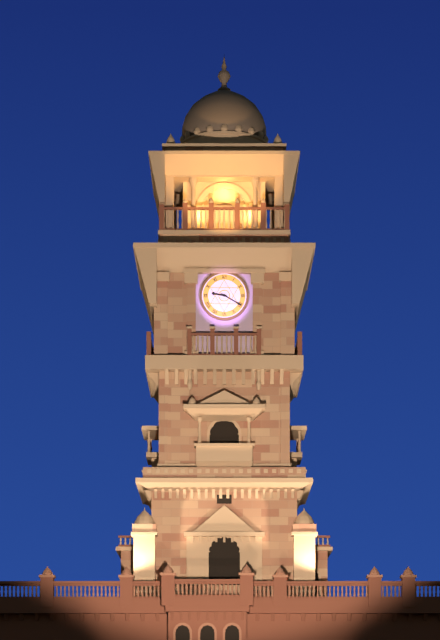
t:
9,20
